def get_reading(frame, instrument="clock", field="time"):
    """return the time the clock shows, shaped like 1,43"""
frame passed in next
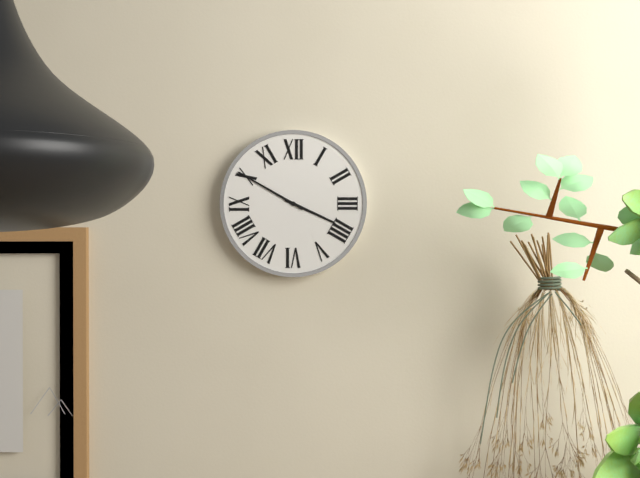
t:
3,50
